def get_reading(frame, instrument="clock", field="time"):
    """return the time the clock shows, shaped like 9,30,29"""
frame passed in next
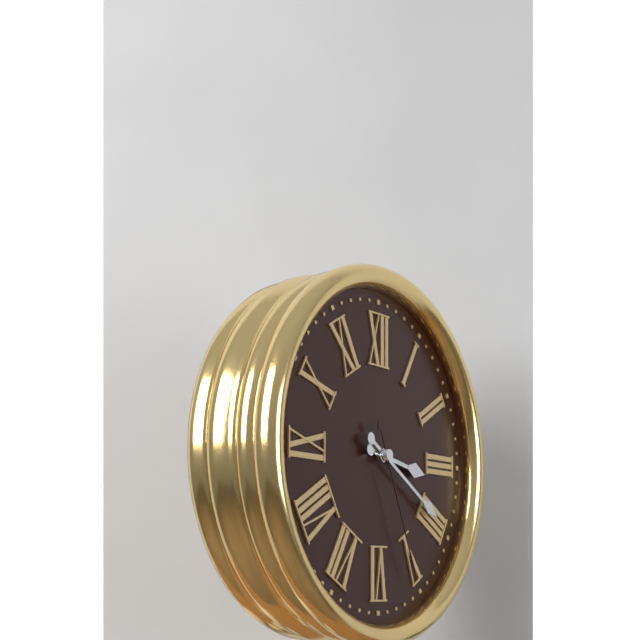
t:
3,20,26
